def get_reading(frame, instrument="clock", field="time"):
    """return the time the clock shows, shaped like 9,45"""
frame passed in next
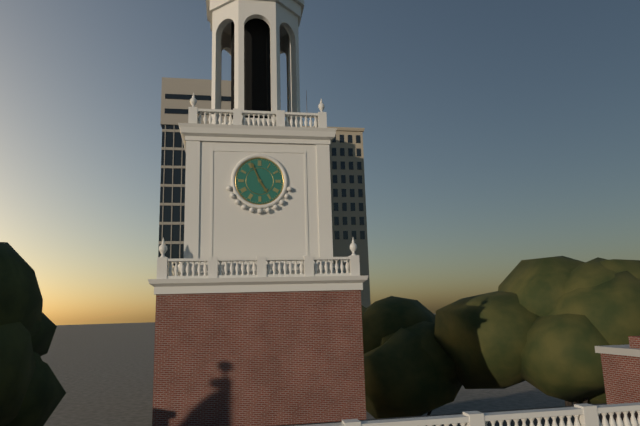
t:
4,56
